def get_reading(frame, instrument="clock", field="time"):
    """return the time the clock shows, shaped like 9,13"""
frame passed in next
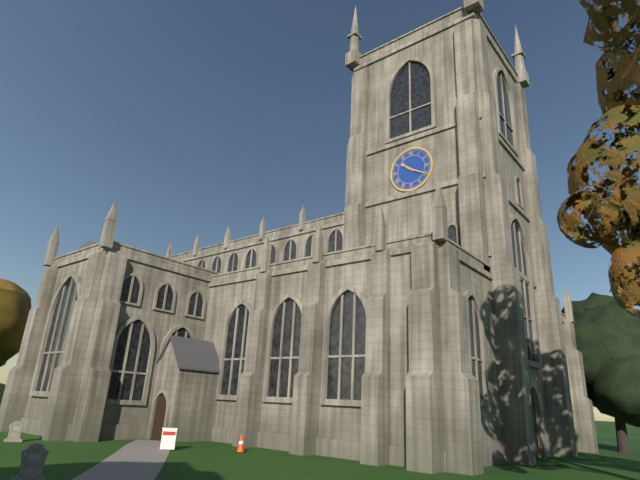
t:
10,20
